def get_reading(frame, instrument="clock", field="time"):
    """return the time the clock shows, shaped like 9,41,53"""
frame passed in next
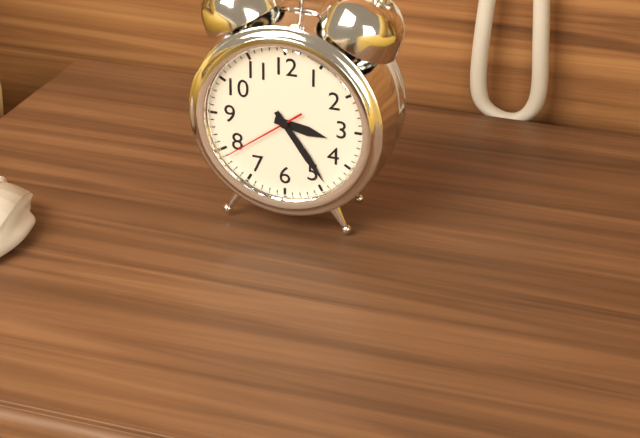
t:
3,24,39
